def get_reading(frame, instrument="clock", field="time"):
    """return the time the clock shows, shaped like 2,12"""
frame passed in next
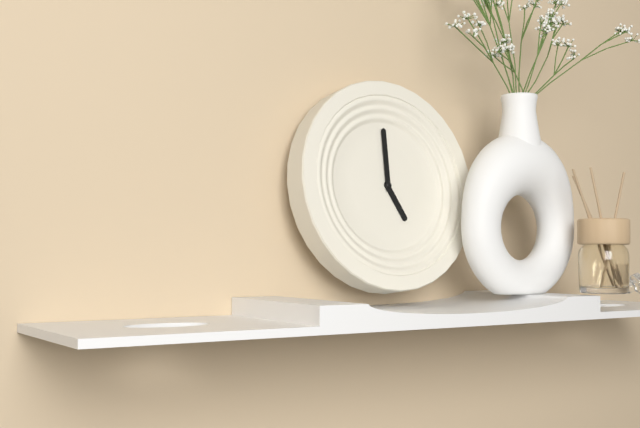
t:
5,00
